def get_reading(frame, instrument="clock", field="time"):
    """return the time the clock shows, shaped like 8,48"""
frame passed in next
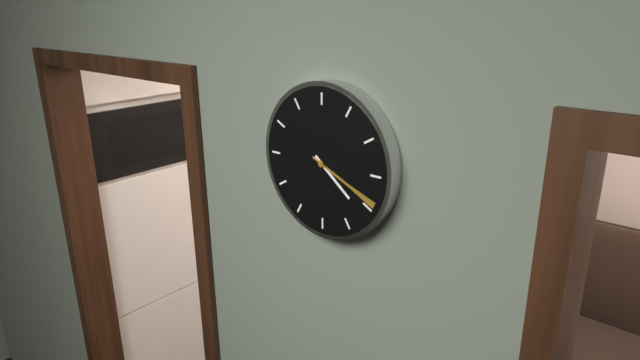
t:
4,19
